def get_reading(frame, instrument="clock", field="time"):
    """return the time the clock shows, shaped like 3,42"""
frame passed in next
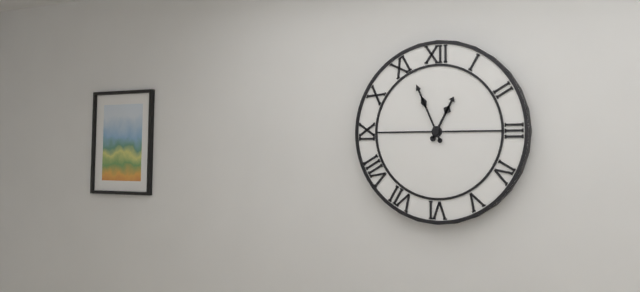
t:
12,56
